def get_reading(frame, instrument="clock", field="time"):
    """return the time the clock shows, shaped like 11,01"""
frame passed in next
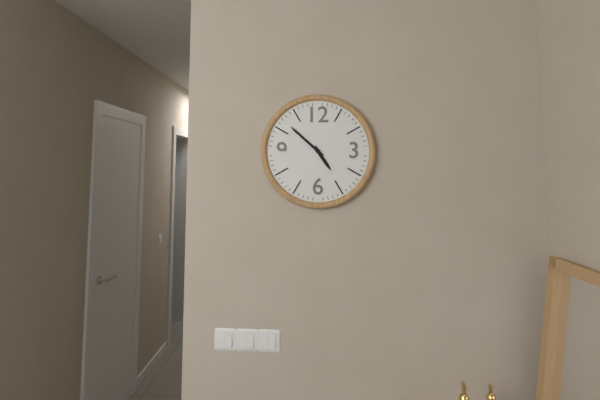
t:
4,52
